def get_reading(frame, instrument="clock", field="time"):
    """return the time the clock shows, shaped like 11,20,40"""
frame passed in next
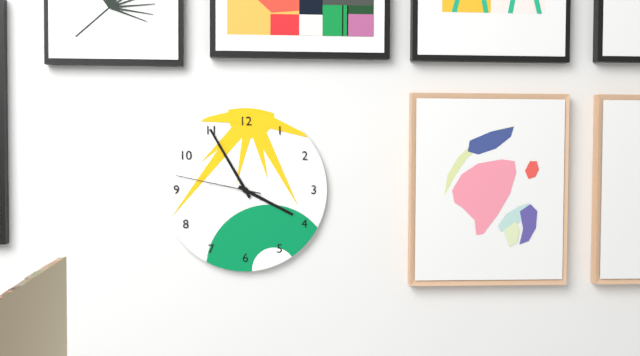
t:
3,55,47
